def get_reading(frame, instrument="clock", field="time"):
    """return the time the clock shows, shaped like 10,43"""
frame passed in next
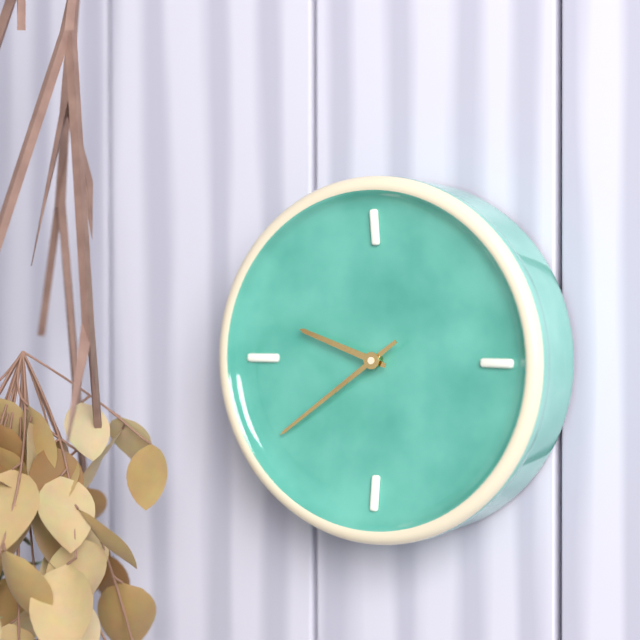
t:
9,39
